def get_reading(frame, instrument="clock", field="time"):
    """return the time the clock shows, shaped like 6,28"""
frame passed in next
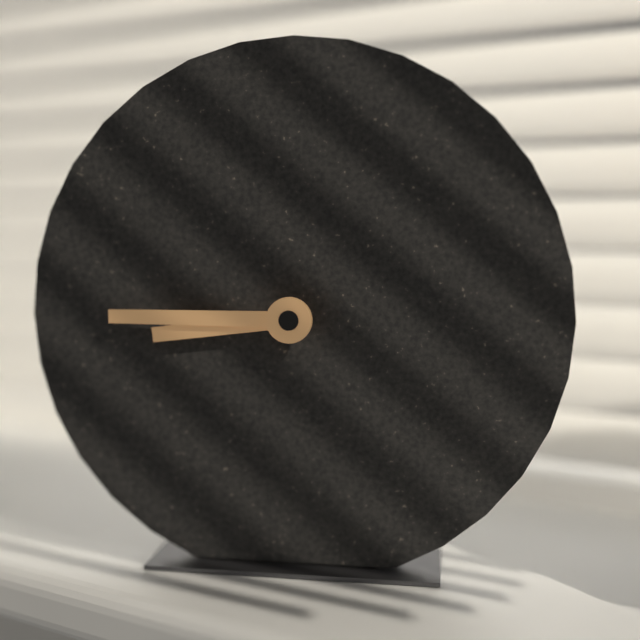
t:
8,45
